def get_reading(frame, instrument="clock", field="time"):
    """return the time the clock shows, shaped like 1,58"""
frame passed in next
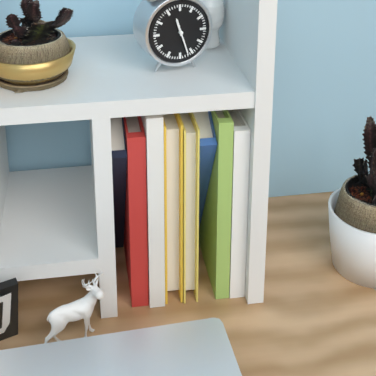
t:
11,27
